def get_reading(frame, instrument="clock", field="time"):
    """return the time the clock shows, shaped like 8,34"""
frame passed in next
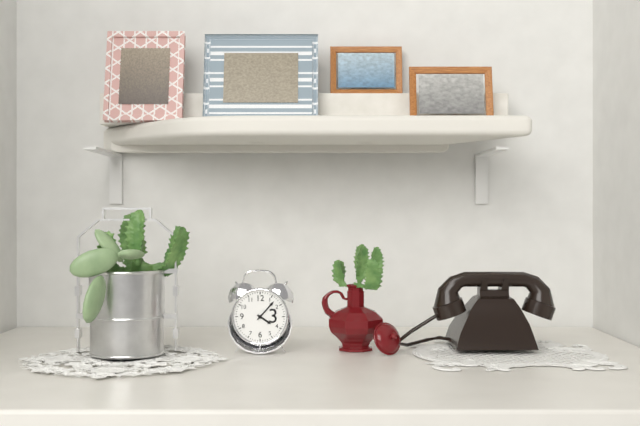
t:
4,07
